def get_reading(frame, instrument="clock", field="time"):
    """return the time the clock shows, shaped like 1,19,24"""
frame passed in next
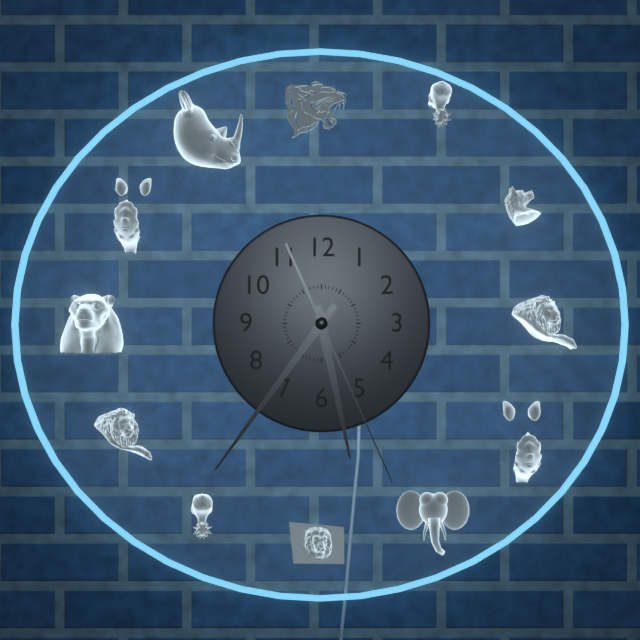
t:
5,36,26
